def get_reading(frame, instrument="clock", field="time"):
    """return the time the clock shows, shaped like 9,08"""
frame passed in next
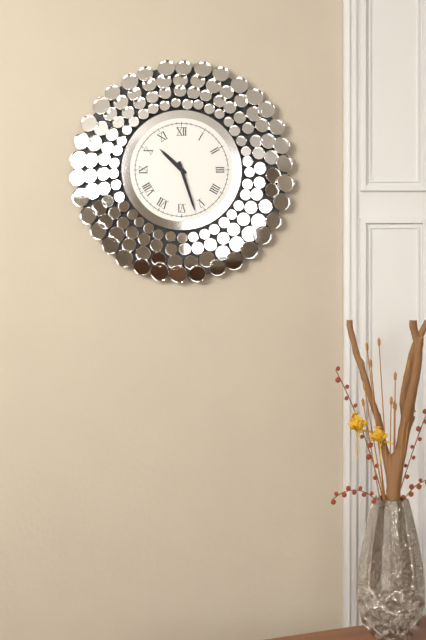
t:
10,27
